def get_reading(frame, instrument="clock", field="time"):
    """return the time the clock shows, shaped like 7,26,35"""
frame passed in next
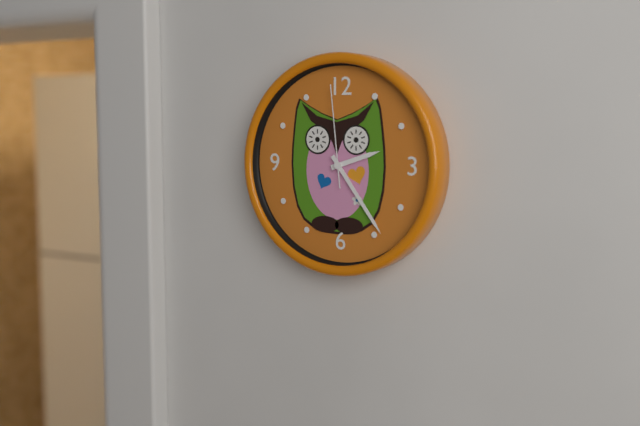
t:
2,24,59
